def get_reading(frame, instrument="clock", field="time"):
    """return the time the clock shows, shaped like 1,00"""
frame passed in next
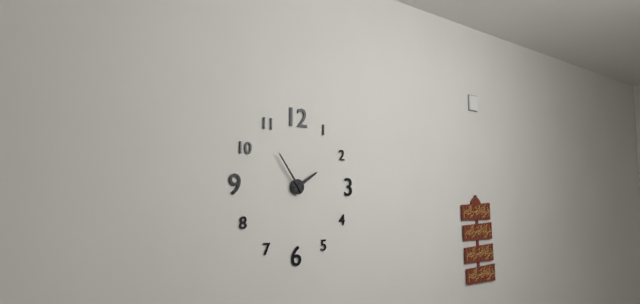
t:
1,54
